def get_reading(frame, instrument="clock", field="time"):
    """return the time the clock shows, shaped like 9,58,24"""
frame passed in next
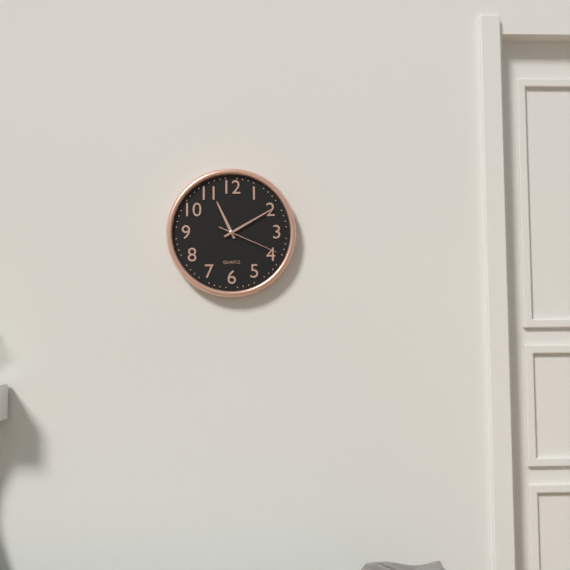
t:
11,10,19
